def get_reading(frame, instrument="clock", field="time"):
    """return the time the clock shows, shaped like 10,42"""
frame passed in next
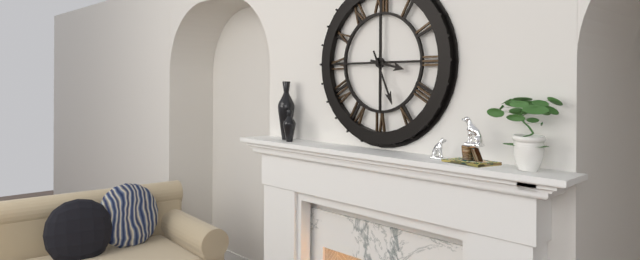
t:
3,26
